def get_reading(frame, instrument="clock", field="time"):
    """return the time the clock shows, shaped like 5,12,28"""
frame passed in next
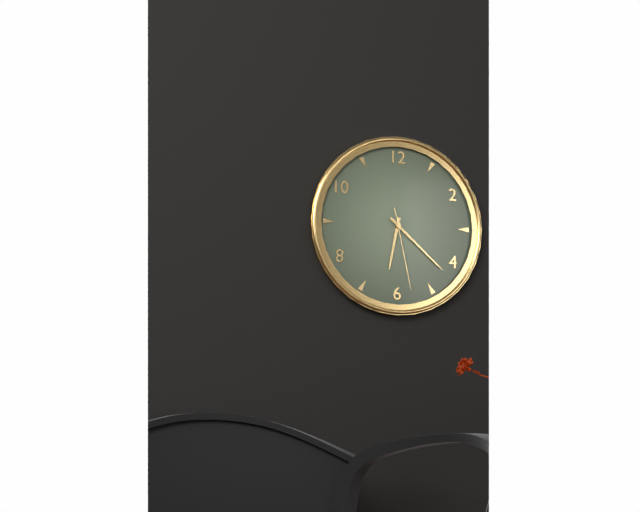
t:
6,22,28
